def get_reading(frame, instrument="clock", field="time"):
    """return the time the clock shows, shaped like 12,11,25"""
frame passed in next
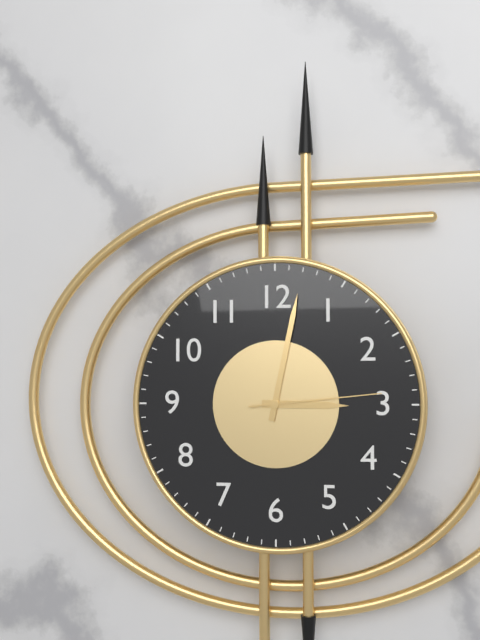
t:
3,02,14
